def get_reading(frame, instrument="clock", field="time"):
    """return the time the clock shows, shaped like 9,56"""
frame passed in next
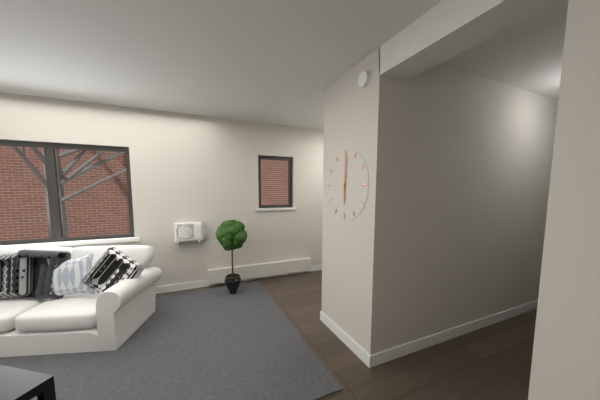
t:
6,01
